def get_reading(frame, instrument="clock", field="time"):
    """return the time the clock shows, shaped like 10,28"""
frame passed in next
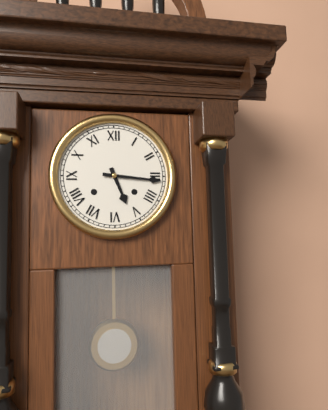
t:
5,16
